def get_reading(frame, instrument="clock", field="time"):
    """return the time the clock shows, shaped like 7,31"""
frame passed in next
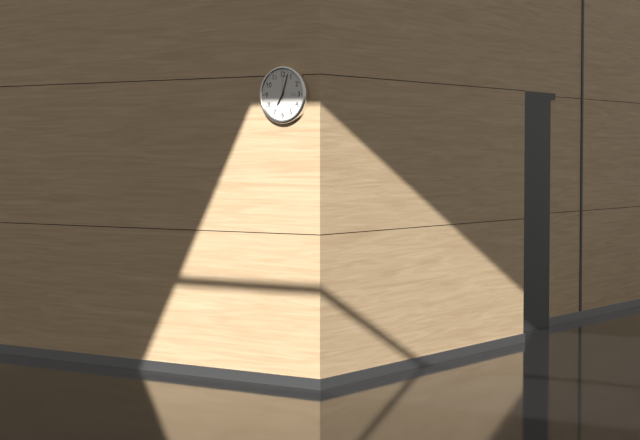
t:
7,03
